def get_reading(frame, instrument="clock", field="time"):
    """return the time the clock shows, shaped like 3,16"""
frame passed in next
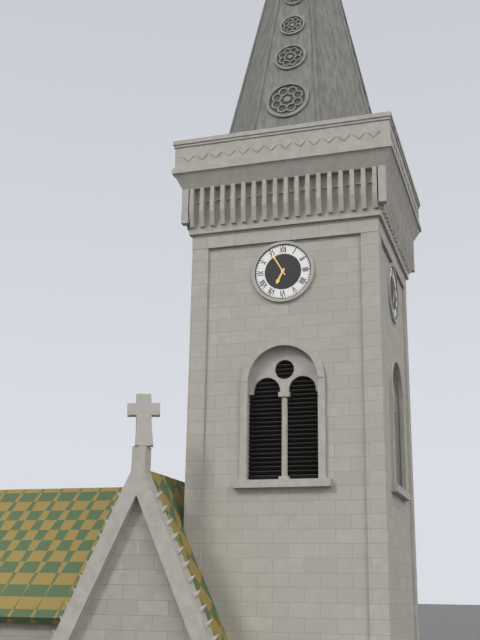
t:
6,55
